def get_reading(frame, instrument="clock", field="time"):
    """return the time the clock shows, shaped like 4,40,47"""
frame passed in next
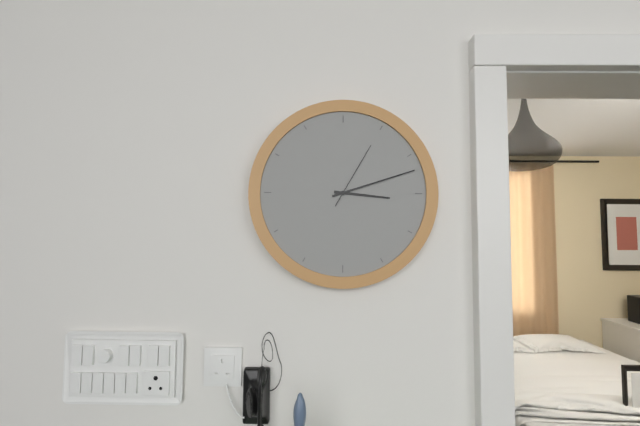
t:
3,12,05
